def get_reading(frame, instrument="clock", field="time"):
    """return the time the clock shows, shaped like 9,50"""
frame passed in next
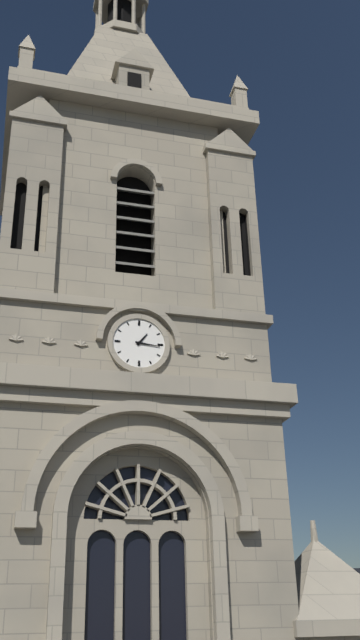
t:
1,16
